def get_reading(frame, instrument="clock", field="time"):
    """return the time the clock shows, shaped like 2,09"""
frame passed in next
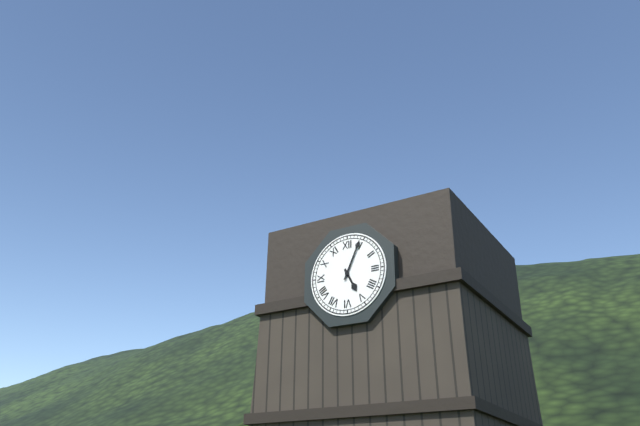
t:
5,04
